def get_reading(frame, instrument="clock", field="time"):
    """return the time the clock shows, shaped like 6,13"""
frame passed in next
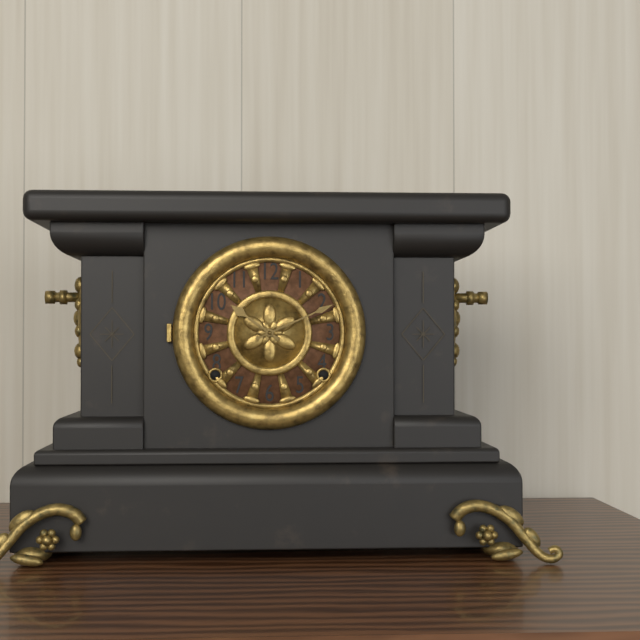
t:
10,11
